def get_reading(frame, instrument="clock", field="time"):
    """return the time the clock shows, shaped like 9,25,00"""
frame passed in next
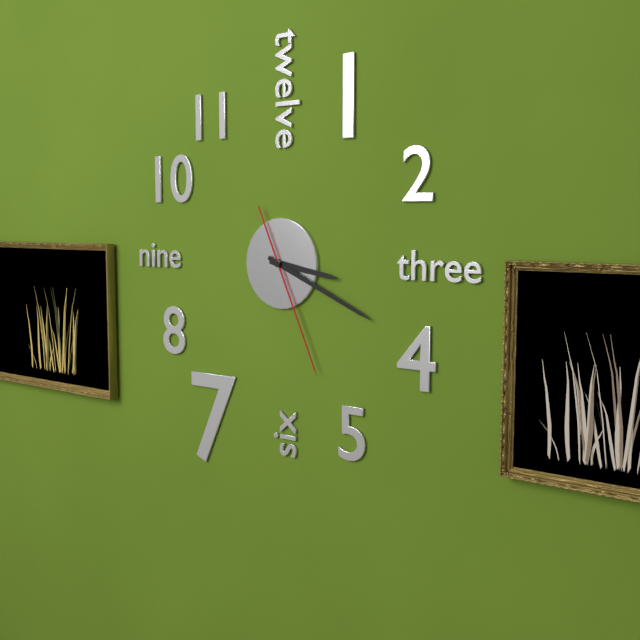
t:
3,19,26
